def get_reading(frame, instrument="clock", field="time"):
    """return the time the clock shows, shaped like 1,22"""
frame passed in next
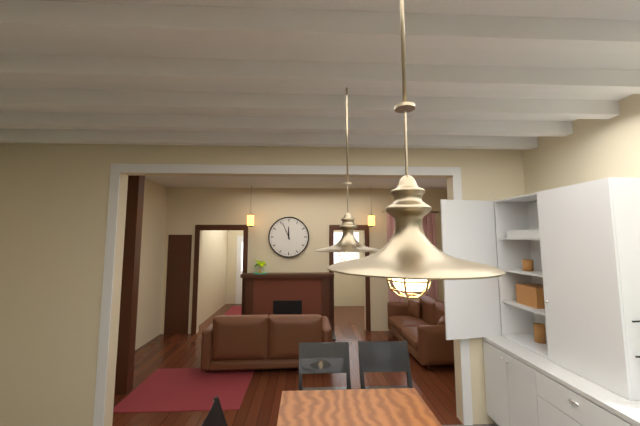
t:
11,56
